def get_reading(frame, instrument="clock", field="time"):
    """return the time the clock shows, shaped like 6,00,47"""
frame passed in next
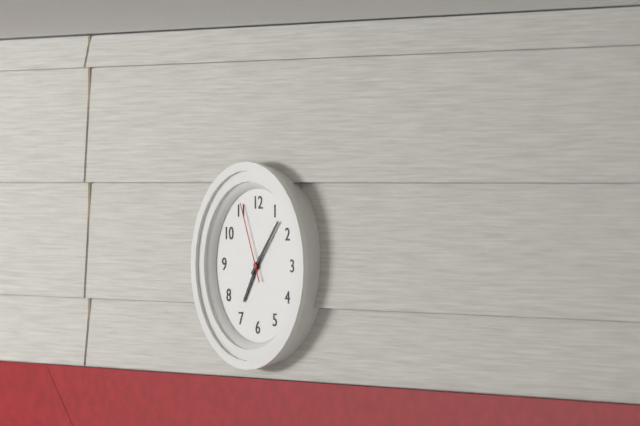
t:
7,07,56
